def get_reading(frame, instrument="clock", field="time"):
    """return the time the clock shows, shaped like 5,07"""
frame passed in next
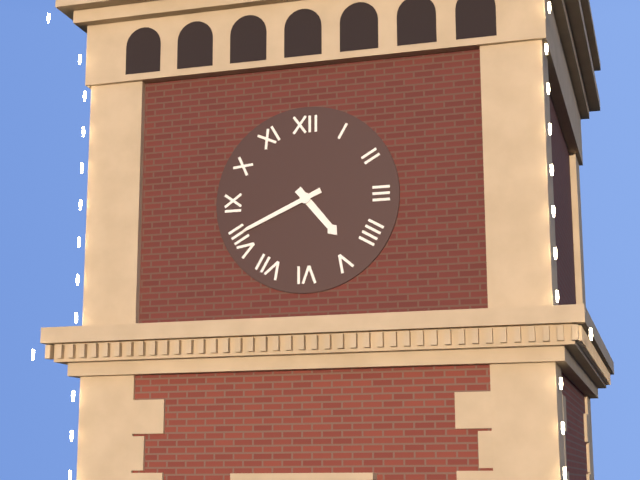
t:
4,41
